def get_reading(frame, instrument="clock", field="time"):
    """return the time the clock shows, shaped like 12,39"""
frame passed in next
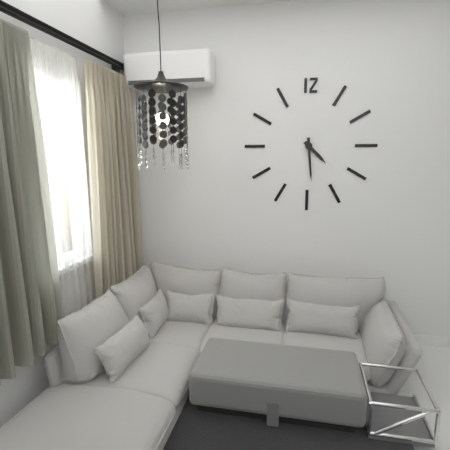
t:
4,29
